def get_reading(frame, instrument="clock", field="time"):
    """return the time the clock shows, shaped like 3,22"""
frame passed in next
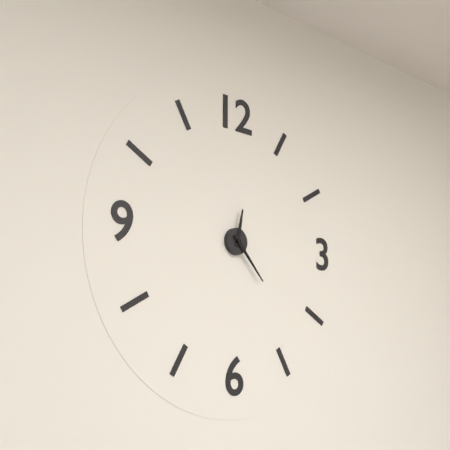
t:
12,23
